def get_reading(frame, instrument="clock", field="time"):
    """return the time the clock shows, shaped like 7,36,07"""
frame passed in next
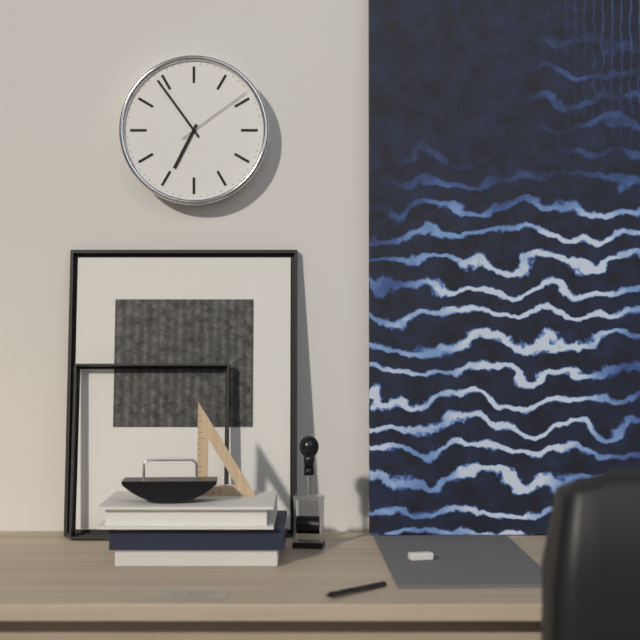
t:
6,54,09
